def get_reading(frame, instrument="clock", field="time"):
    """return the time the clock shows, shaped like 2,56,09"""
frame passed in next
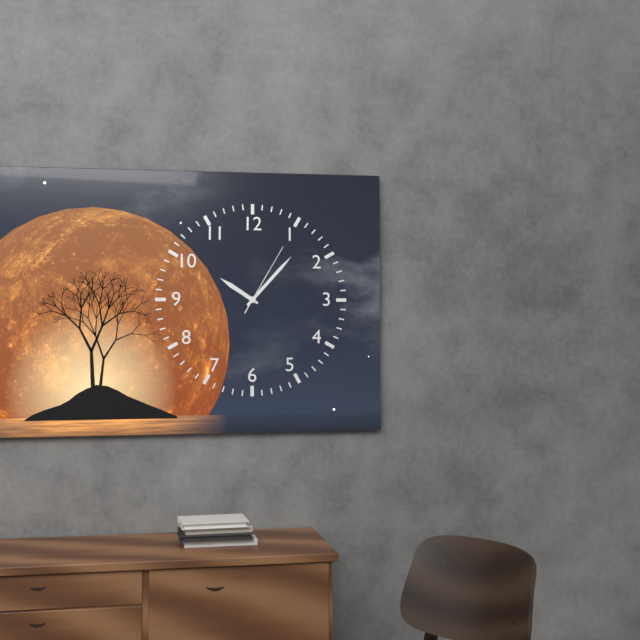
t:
10,07,05
